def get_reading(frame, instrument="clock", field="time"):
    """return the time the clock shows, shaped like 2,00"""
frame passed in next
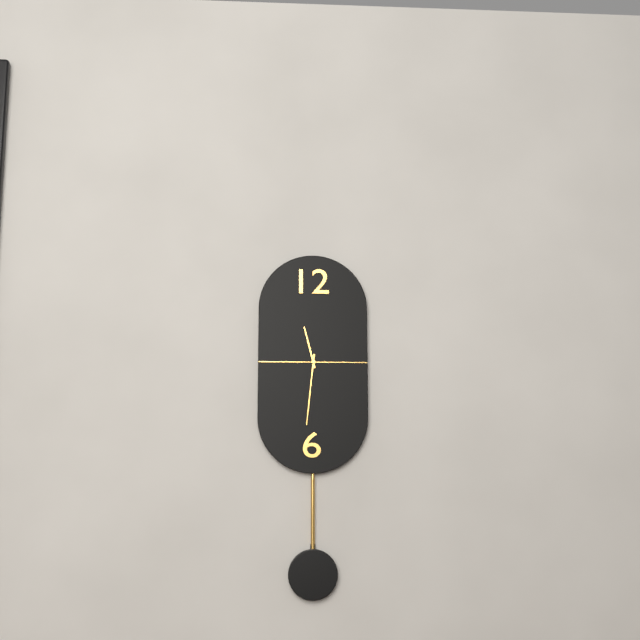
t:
11,31
